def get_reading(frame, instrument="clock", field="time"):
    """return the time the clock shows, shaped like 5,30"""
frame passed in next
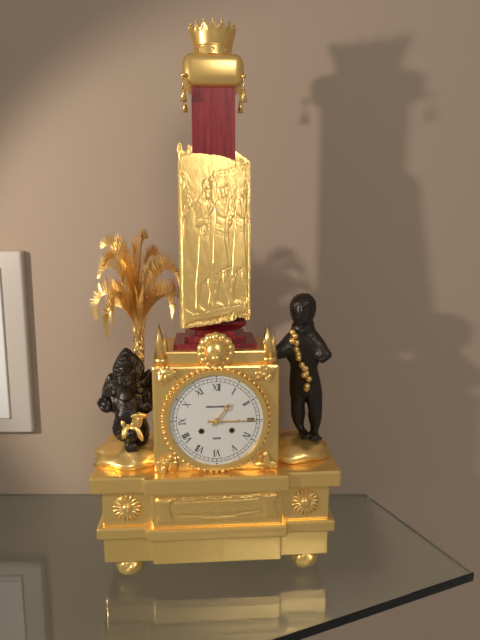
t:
1,15
